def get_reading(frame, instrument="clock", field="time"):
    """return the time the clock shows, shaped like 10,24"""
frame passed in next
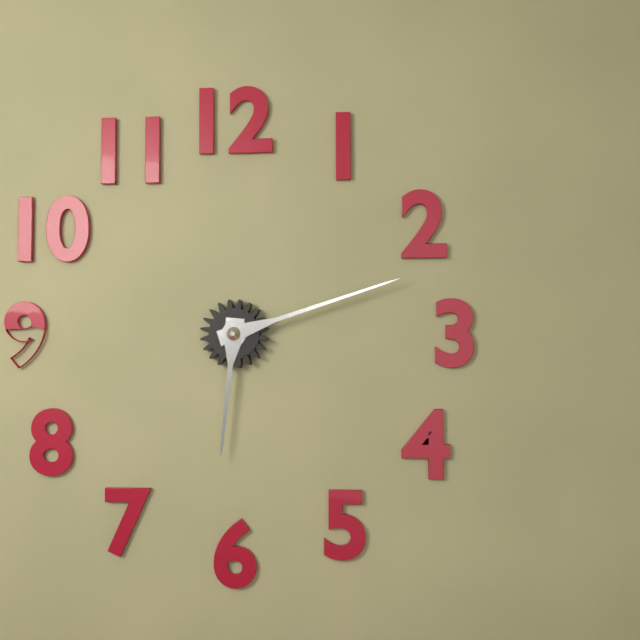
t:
6,12
